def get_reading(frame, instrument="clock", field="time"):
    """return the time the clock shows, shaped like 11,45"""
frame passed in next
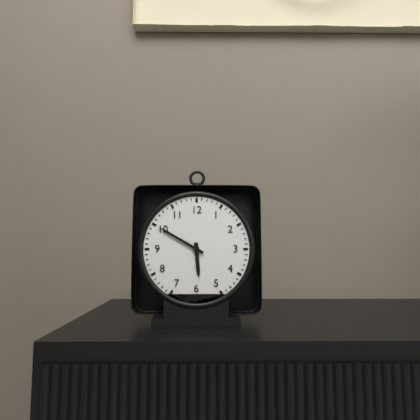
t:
5,50
